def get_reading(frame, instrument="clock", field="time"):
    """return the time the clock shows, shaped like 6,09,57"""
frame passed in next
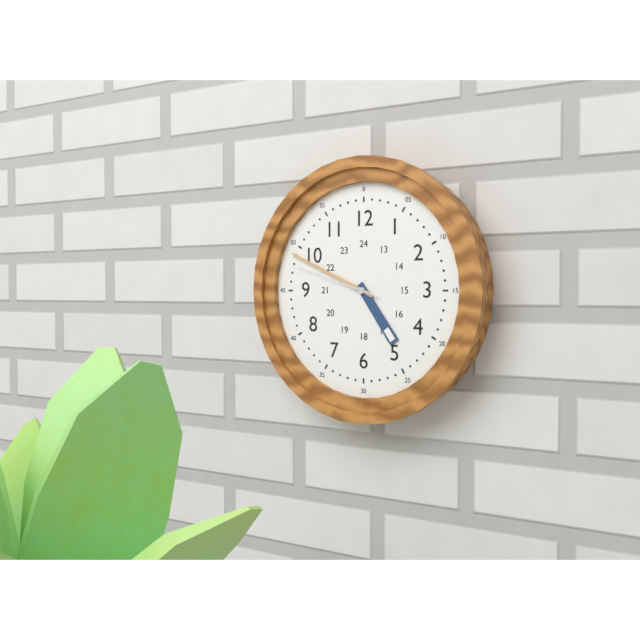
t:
4,49,48
